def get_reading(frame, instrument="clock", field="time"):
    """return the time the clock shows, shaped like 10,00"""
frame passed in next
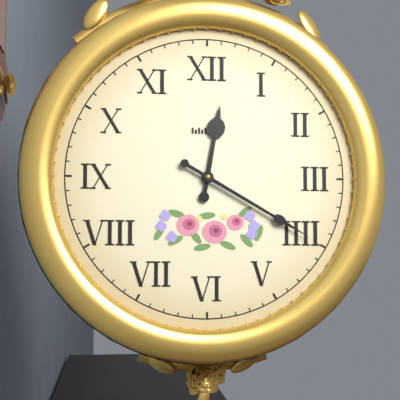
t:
12,20
